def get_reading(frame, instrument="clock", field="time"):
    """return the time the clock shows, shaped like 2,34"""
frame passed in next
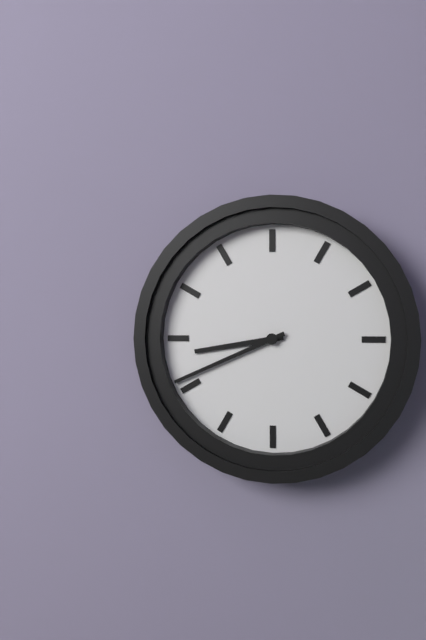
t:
8,41
